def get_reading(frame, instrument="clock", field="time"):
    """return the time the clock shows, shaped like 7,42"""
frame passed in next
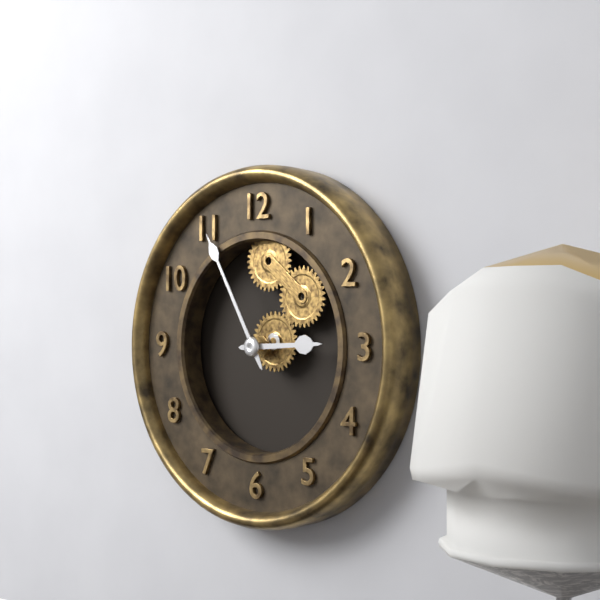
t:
2,55
